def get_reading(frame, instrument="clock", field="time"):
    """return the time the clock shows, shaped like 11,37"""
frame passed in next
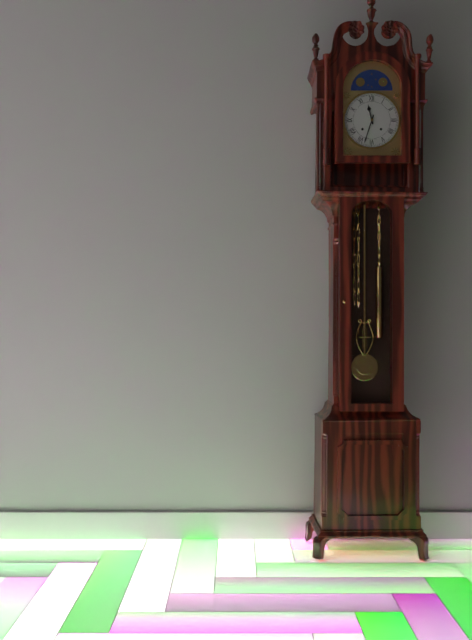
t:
11,33
